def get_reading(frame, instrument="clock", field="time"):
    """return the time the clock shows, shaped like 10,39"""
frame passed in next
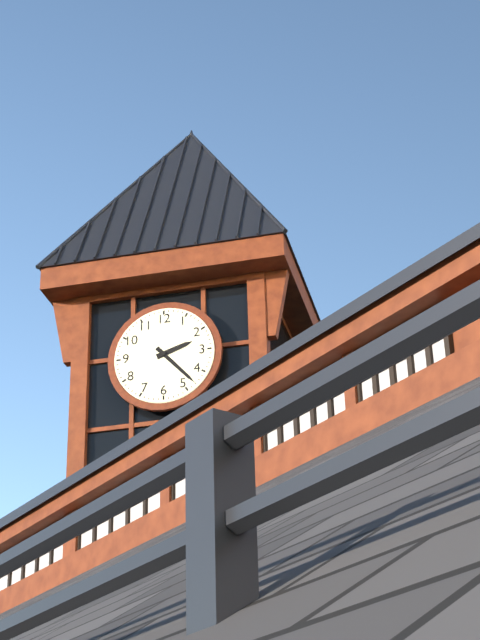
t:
2,23
